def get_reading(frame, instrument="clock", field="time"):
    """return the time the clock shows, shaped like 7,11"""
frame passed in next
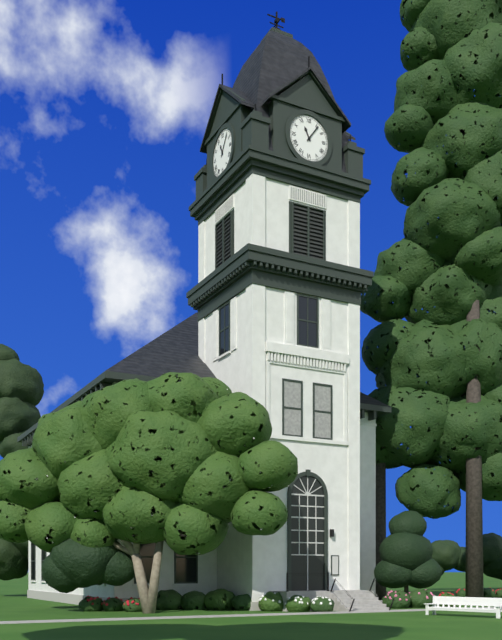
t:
11,06
